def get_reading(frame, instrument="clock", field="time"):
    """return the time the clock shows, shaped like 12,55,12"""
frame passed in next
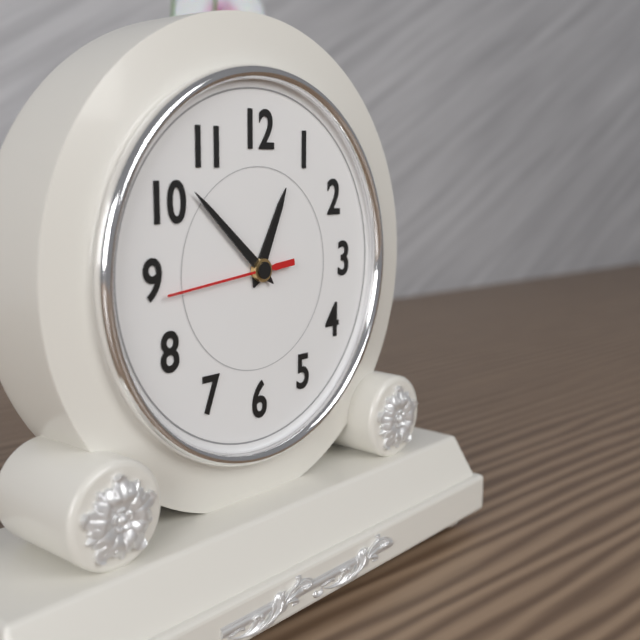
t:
12,52,44
